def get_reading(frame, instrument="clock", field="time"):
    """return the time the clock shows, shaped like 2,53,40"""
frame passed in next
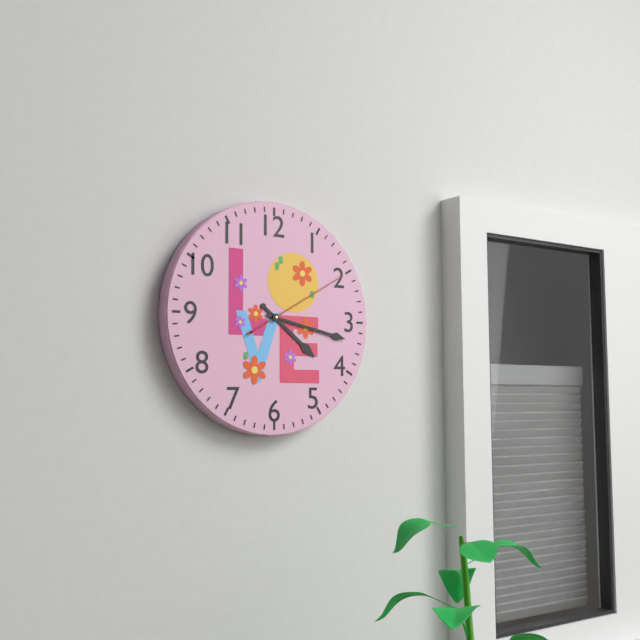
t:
4,17,10
